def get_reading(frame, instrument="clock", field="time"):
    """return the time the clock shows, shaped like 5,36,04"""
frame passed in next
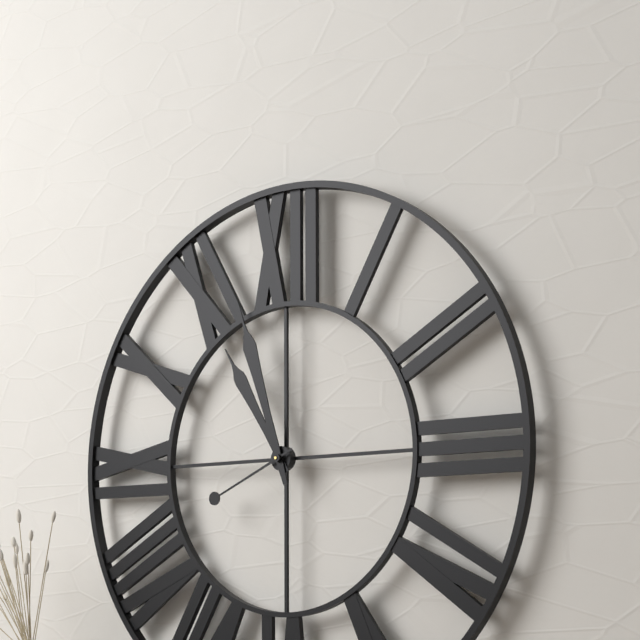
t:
10,57,41
